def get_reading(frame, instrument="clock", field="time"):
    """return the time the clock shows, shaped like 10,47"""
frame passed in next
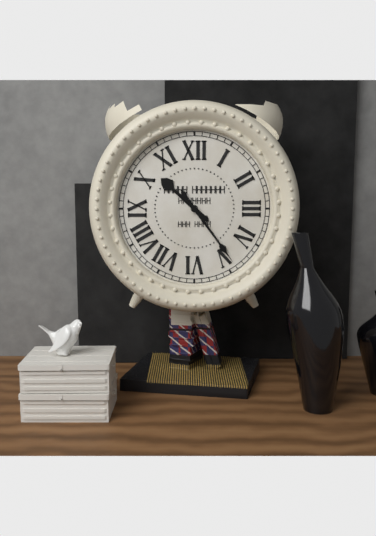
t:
10,24
